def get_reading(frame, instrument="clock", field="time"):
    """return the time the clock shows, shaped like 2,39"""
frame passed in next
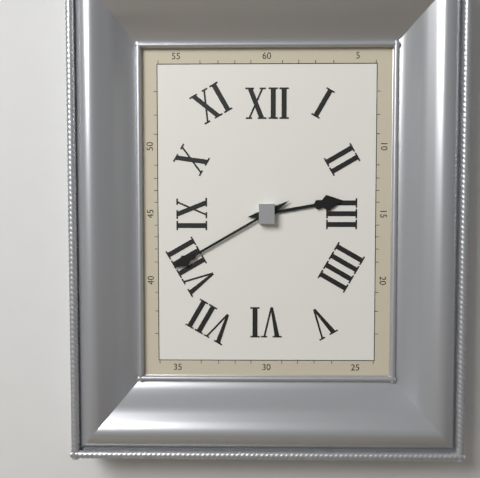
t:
2,40
